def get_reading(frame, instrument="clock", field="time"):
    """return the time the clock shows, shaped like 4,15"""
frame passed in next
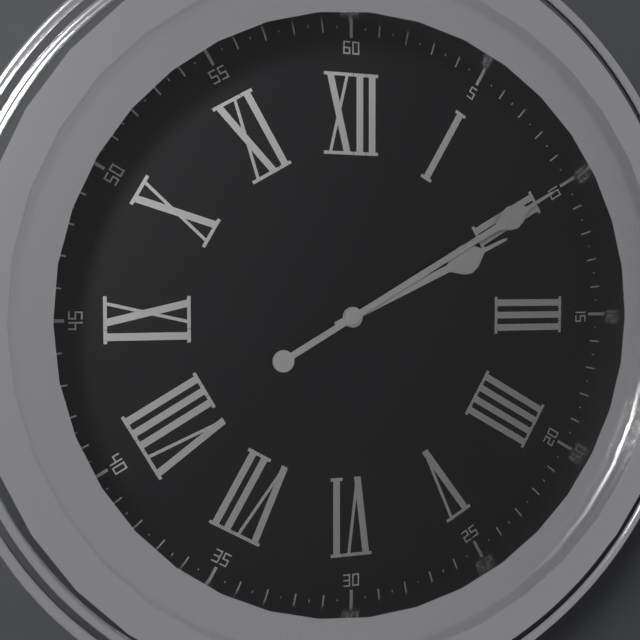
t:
2,10
